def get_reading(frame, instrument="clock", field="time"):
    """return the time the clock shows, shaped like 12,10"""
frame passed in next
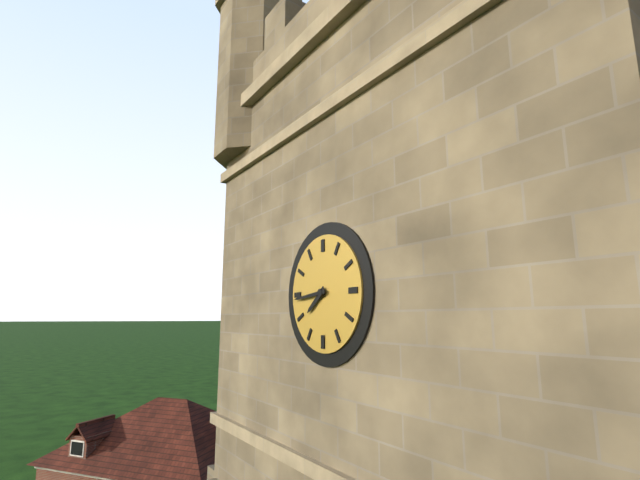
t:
7,44
